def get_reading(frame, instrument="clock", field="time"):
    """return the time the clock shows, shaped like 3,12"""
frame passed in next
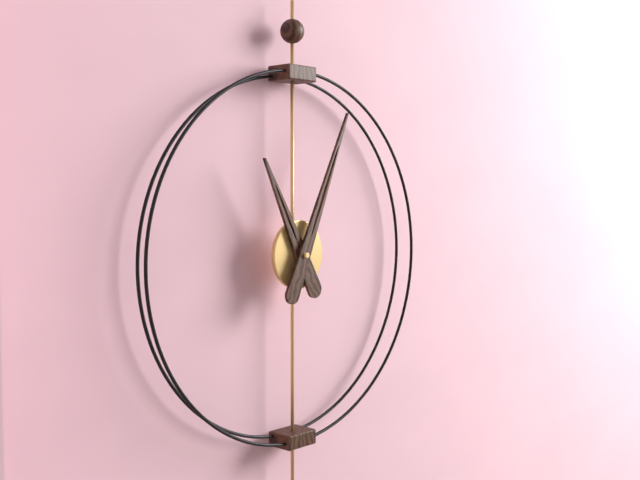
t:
11,04
